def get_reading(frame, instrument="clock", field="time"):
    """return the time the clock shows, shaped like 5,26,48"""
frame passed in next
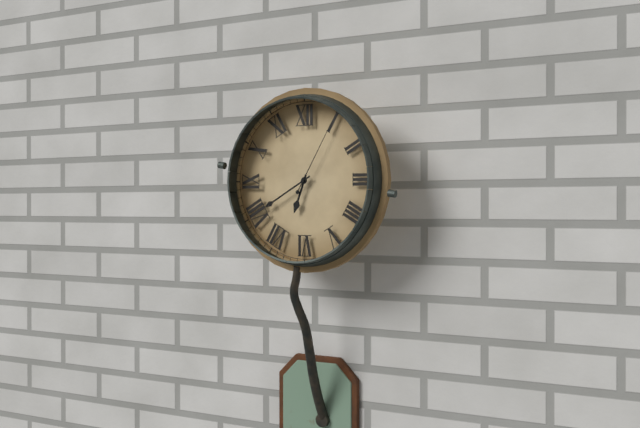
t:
6,40,05
